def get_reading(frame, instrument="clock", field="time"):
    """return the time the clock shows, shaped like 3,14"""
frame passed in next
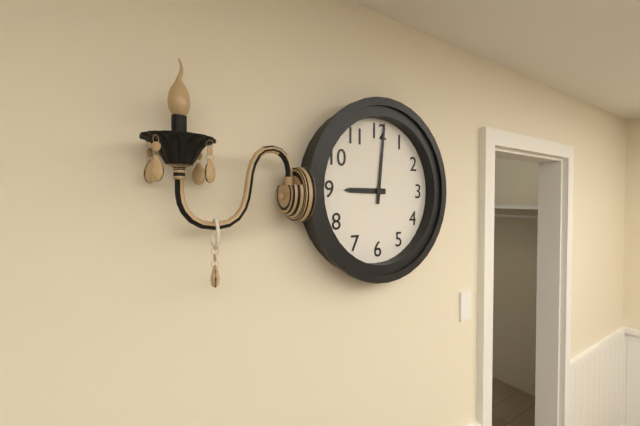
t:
9,01
